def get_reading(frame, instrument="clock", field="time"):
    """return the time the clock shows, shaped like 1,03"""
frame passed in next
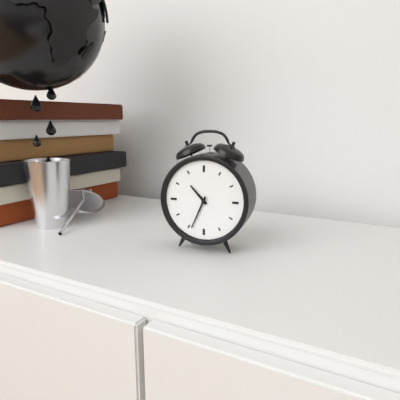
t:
10,34
